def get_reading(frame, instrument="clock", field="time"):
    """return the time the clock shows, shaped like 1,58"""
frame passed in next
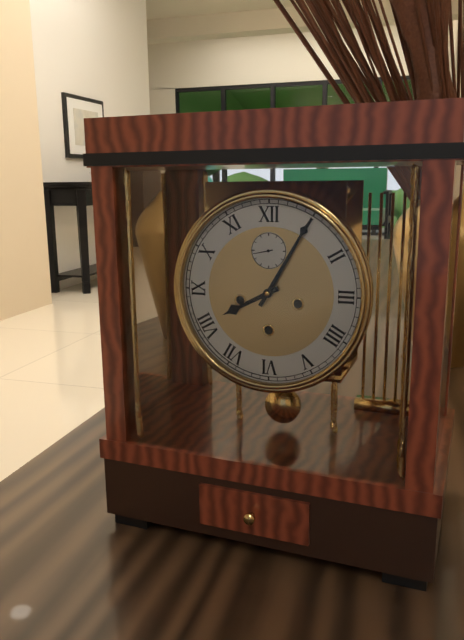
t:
8,05
